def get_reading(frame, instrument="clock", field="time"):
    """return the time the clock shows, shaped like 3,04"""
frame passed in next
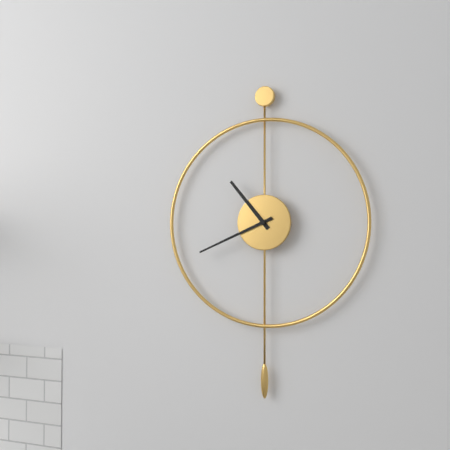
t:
10,41
